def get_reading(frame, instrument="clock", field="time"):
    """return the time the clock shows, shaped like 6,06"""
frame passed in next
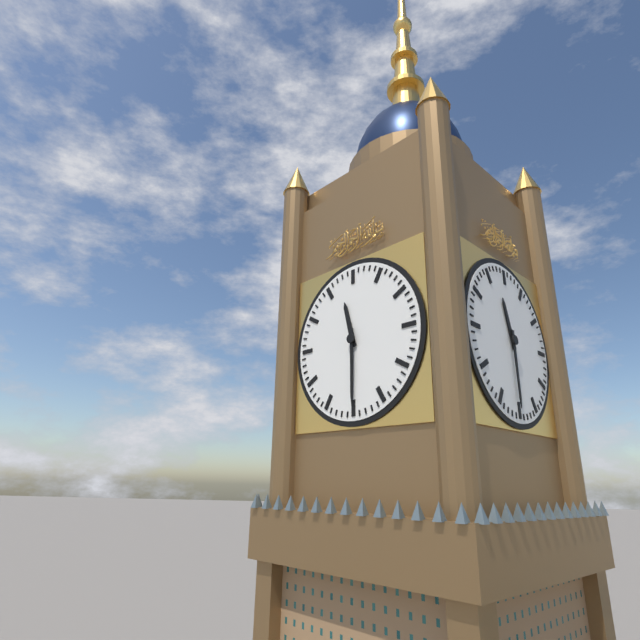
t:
11,30
